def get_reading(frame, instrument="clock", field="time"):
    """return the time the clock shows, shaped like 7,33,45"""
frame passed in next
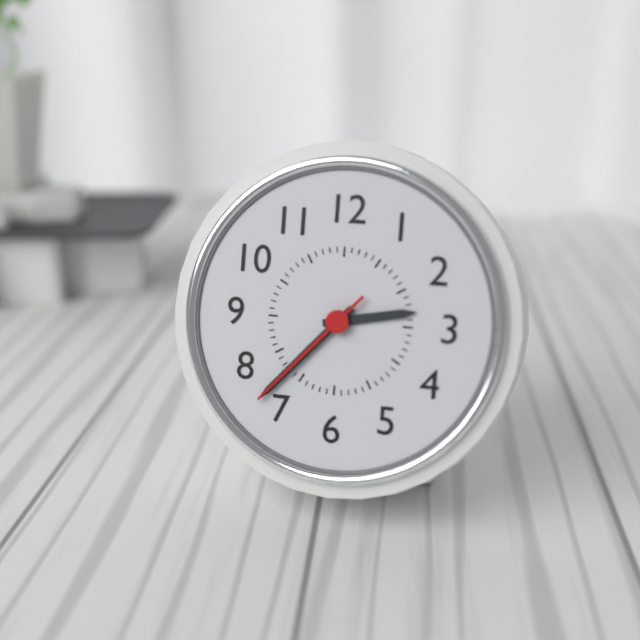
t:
2,37,37
